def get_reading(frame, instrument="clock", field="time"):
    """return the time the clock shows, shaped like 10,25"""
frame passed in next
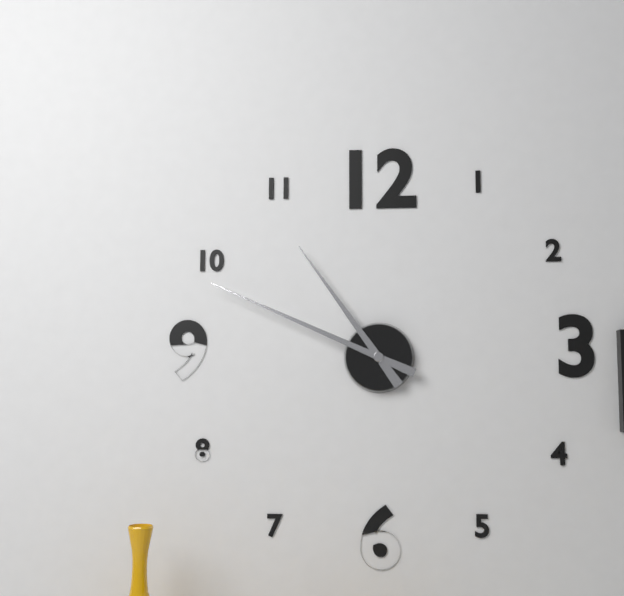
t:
10,49
